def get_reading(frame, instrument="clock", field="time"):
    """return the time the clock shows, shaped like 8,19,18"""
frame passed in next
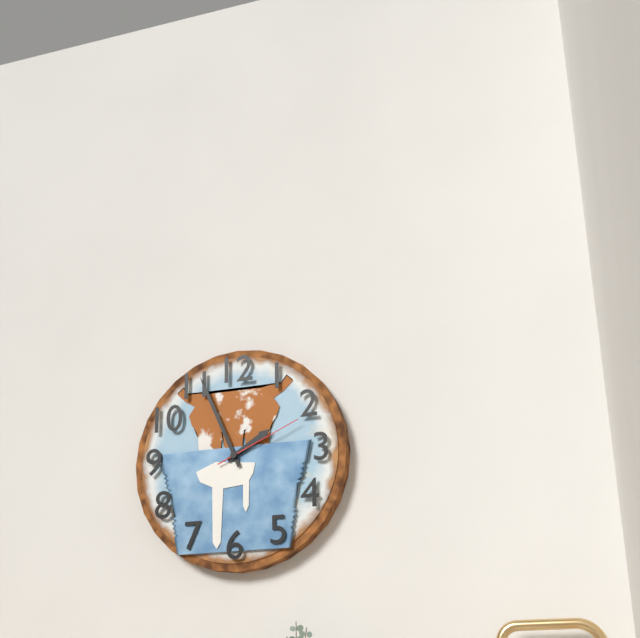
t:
1,56,11
